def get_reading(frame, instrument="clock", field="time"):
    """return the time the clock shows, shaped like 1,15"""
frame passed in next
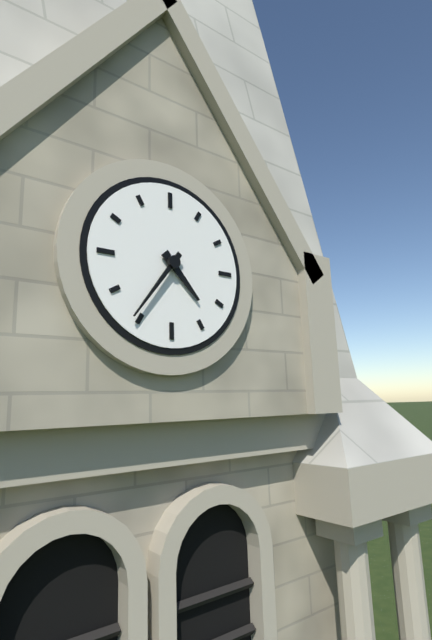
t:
4,36
